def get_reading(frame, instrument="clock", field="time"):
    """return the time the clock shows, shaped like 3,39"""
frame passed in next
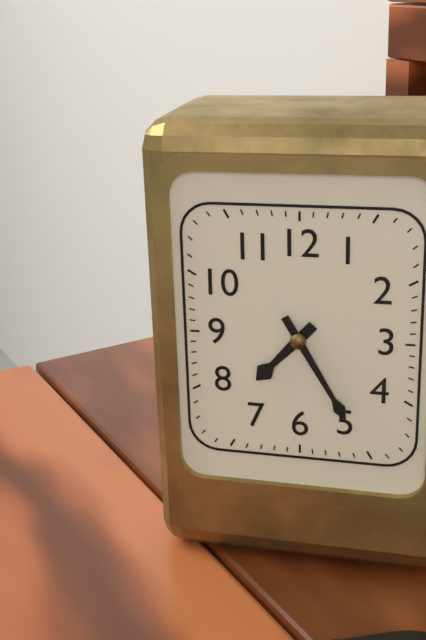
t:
7,25
